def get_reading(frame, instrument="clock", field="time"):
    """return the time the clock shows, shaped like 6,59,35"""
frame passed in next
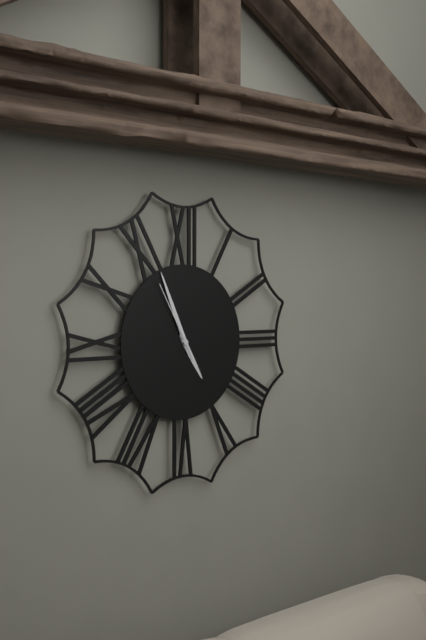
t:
4,56,55
